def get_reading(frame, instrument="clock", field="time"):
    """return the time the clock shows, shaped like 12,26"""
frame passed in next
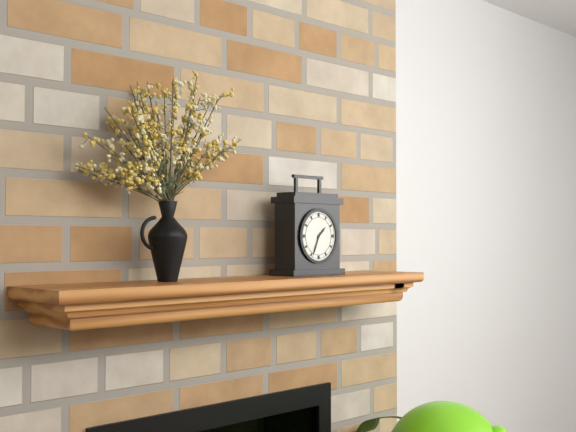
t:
1,34
